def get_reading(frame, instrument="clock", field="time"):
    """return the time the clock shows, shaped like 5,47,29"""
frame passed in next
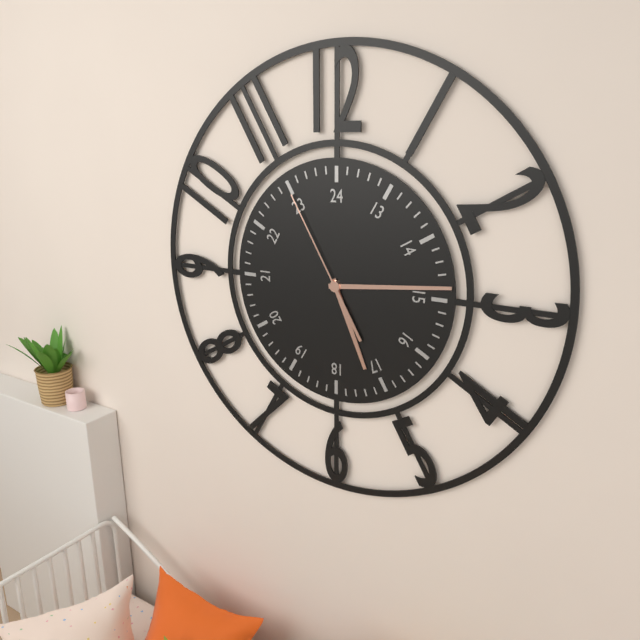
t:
5,14,55
